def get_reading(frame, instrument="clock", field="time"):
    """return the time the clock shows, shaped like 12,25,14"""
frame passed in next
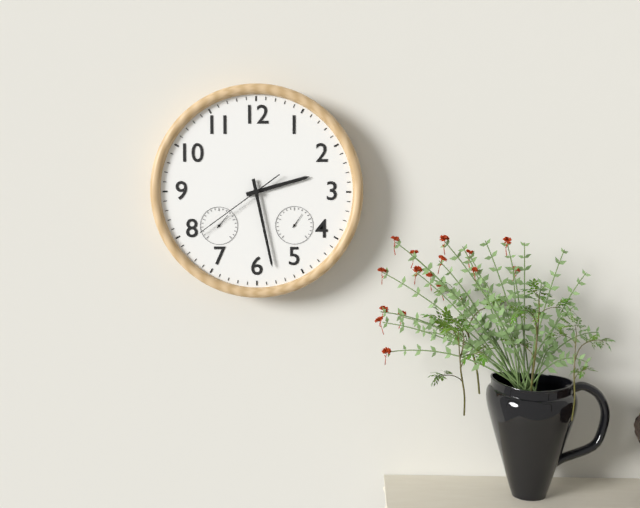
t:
2,28,39
